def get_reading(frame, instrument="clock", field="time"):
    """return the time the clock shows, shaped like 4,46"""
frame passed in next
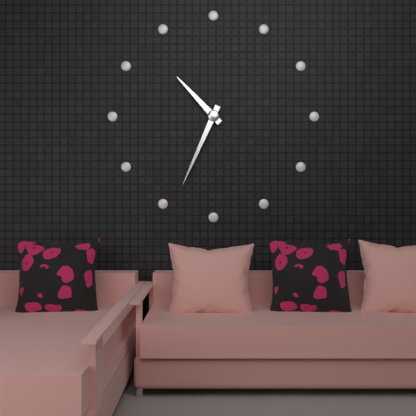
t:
10,34
